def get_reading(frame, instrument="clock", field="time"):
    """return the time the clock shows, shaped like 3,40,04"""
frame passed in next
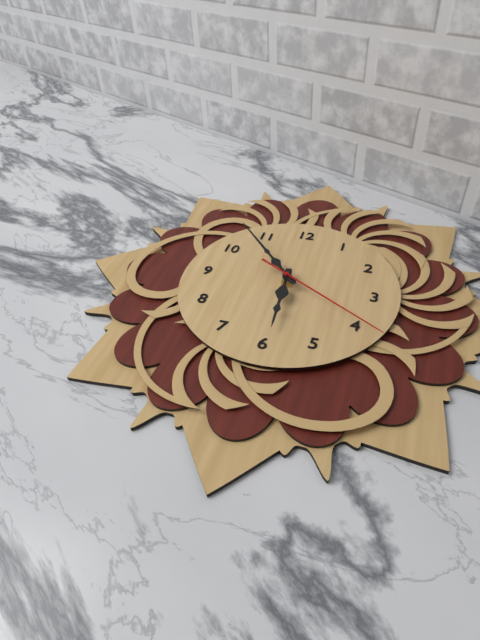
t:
5,53,20
